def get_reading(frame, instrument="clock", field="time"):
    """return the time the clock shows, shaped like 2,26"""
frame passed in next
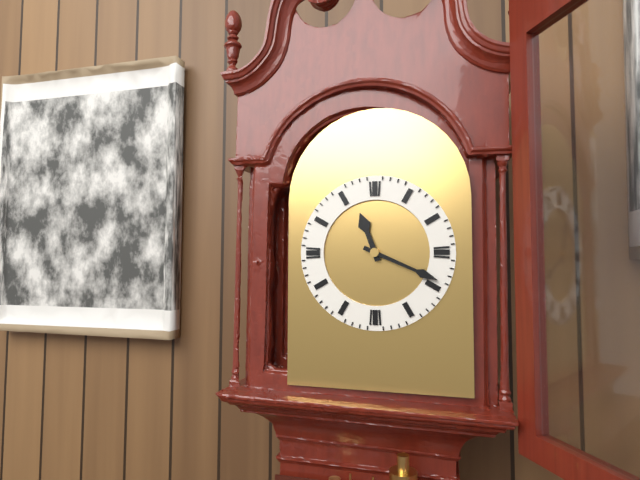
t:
11,19
